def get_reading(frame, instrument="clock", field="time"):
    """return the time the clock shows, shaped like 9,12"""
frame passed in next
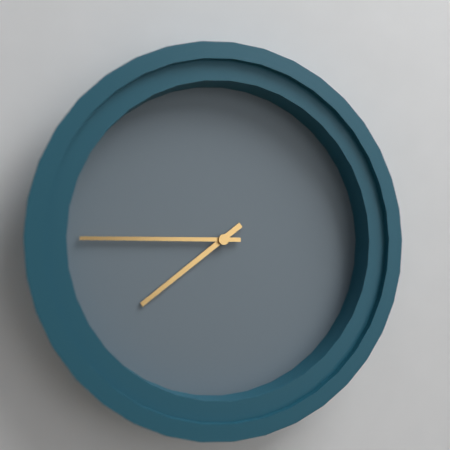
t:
7,45
